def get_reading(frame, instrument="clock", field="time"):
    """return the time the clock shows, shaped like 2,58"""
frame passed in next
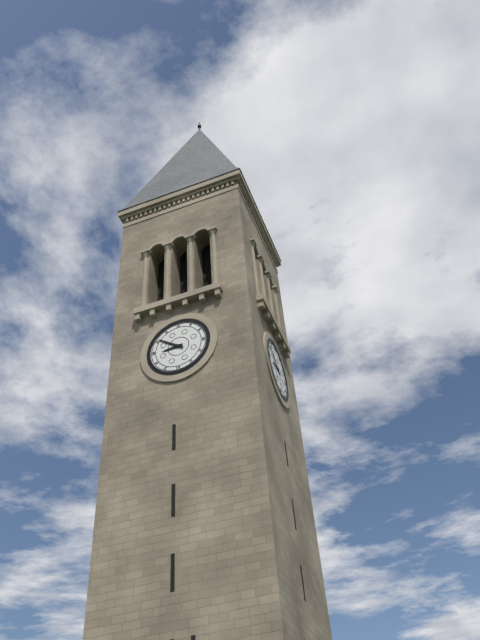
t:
8,51
